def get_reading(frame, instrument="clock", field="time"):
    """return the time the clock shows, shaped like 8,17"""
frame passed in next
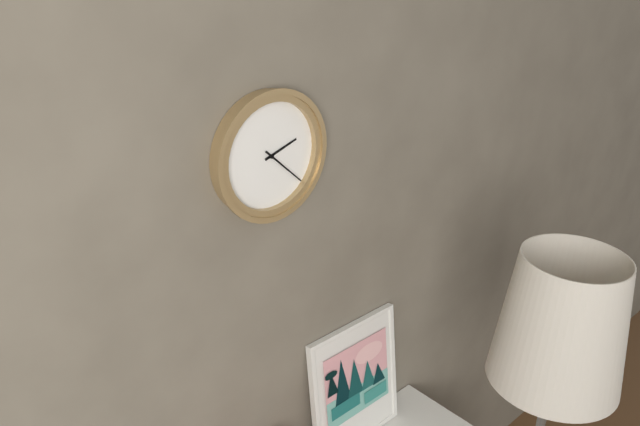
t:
2,22
